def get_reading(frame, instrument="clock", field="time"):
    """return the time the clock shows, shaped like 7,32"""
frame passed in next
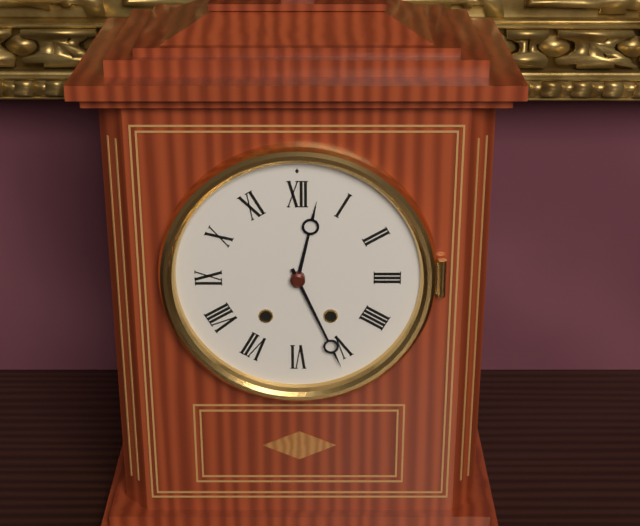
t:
12,26
